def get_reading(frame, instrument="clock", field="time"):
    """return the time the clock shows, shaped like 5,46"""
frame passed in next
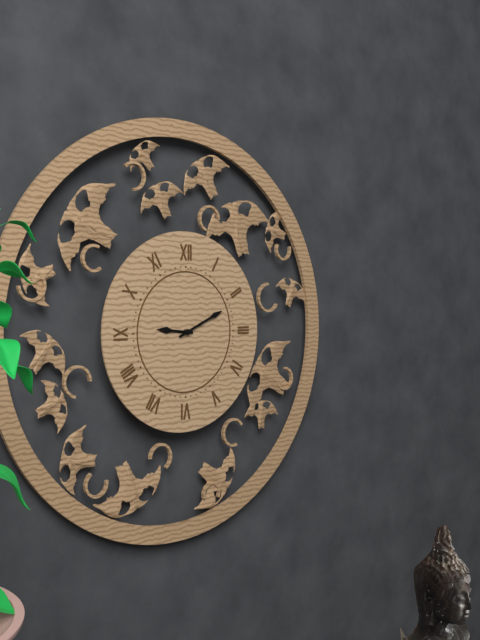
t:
9,11
